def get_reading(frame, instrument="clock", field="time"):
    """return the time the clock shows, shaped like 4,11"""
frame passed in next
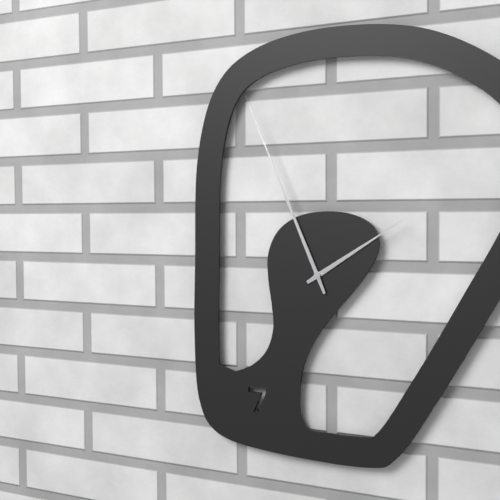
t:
1,56
